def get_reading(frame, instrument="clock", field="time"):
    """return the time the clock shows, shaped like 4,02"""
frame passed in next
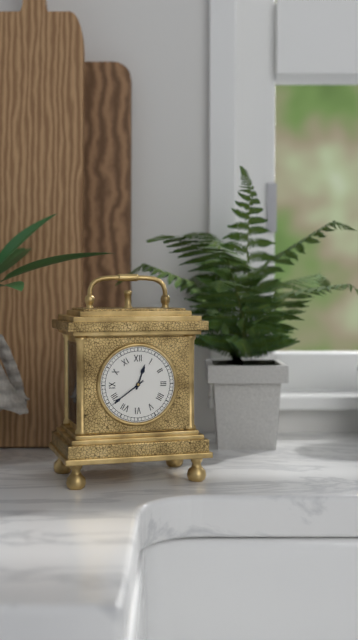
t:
12,39
